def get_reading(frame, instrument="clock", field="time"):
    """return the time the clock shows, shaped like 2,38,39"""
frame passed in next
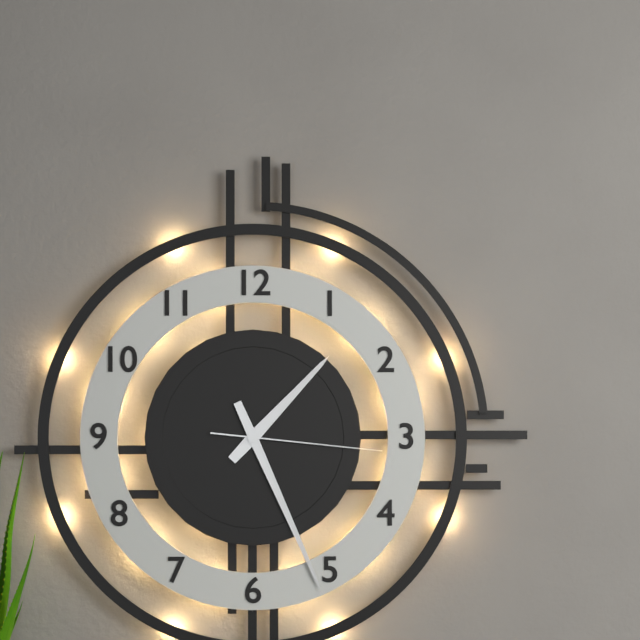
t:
1,26,16
